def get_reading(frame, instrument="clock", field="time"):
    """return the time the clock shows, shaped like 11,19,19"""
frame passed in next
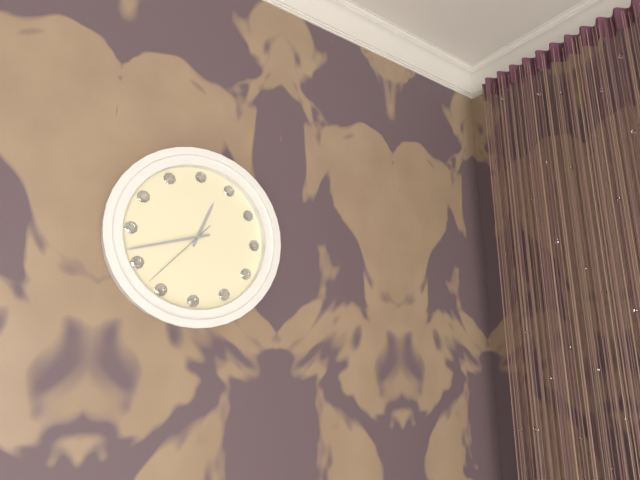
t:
12,42,37
